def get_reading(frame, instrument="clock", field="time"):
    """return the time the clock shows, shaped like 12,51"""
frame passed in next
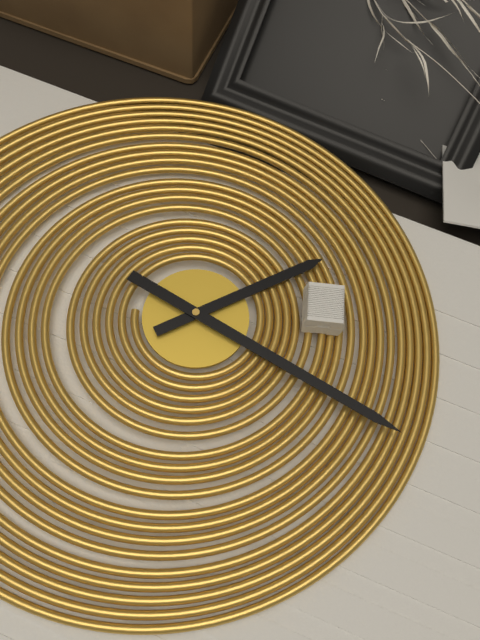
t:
1,16
